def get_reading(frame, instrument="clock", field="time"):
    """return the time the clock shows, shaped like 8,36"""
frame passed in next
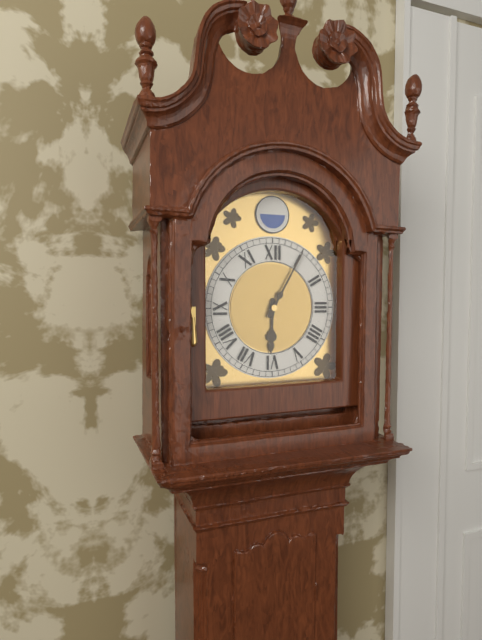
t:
6,05
